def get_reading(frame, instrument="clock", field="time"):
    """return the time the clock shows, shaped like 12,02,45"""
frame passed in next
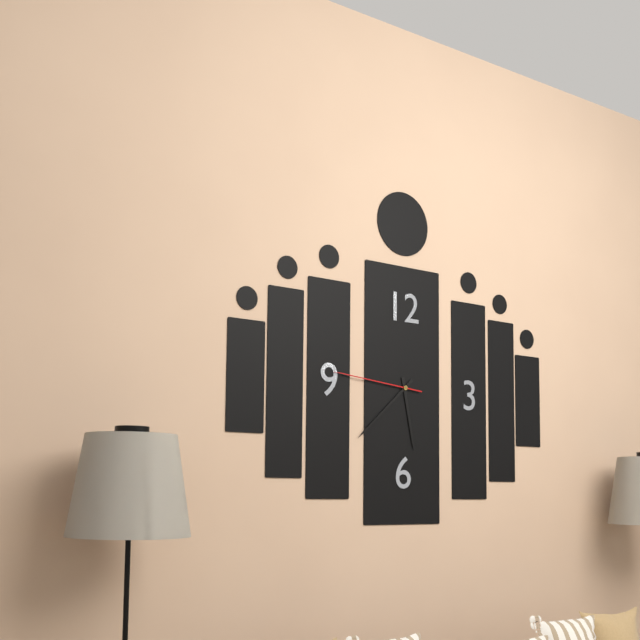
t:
5,38,46
